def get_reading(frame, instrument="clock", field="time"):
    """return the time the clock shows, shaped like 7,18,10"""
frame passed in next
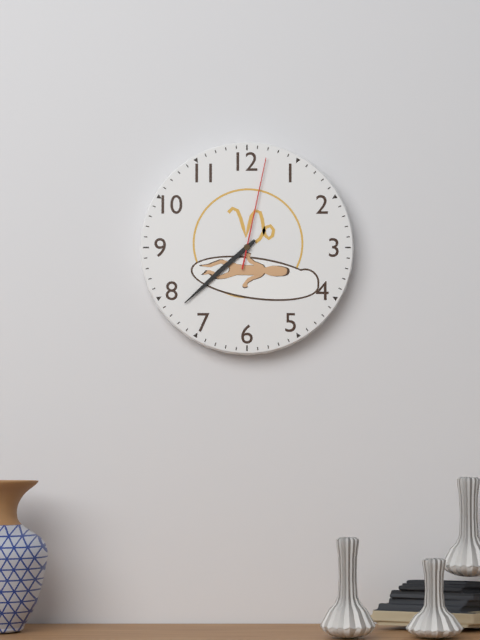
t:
7,38,02
